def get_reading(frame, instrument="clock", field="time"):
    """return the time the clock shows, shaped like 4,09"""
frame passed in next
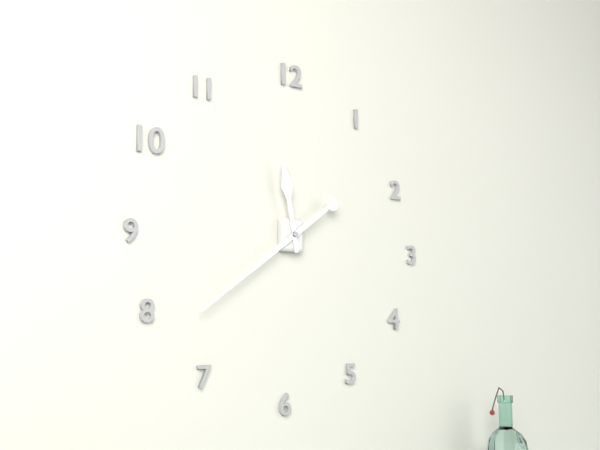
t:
11,39
